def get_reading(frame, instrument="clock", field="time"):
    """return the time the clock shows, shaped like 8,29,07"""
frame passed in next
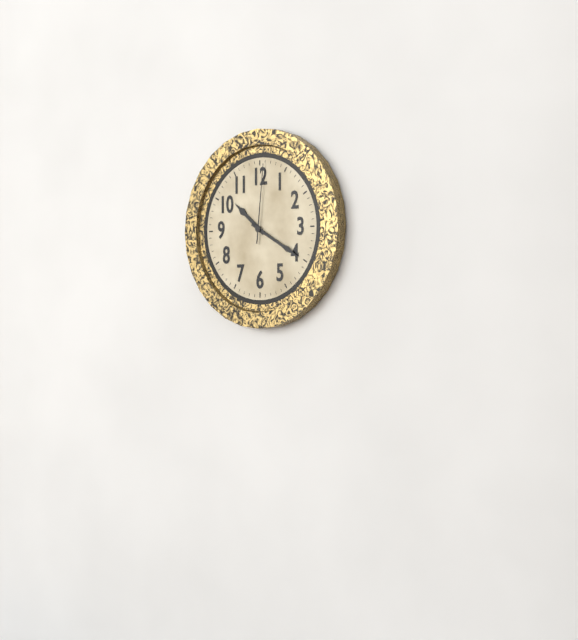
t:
10,20,01
